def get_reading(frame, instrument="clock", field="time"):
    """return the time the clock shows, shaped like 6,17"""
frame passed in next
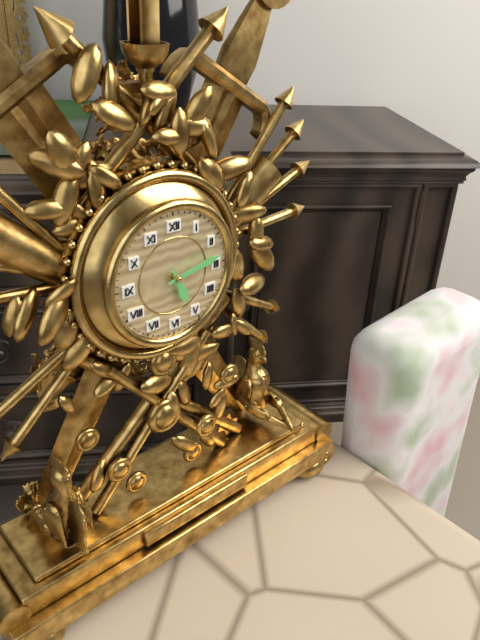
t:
5,13
